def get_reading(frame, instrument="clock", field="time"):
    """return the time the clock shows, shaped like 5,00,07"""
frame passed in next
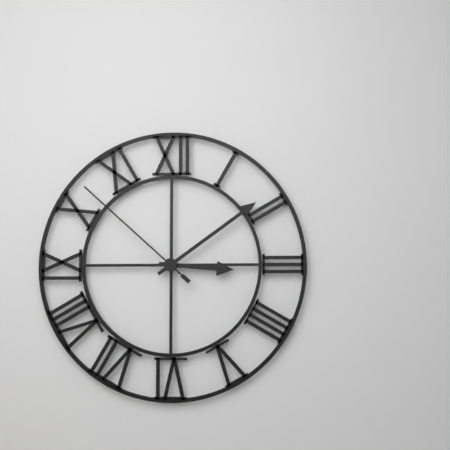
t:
3,09,52
